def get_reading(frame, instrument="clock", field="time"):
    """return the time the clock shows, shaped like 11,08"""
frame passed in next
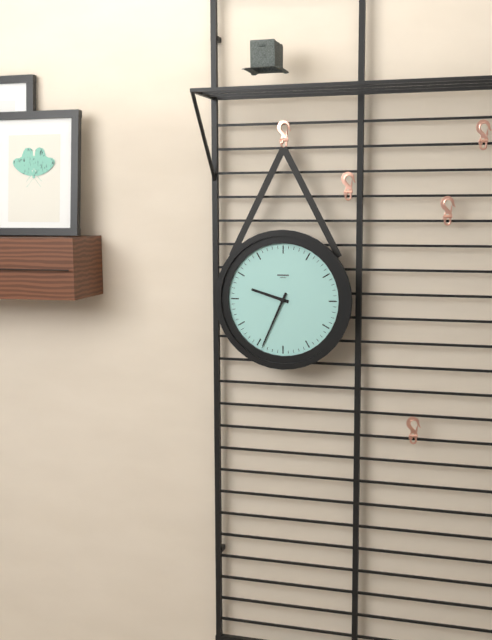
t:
9,34
